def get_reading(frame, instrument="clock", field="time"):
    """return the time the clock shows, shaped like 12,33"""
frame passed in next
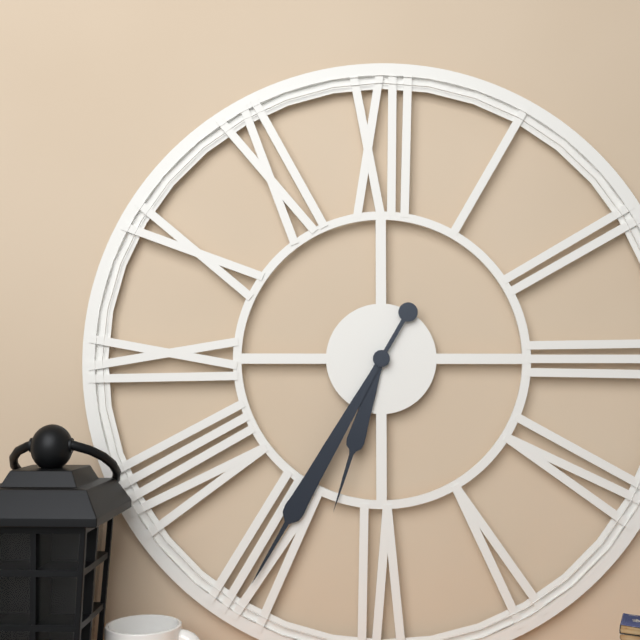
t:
6,35
